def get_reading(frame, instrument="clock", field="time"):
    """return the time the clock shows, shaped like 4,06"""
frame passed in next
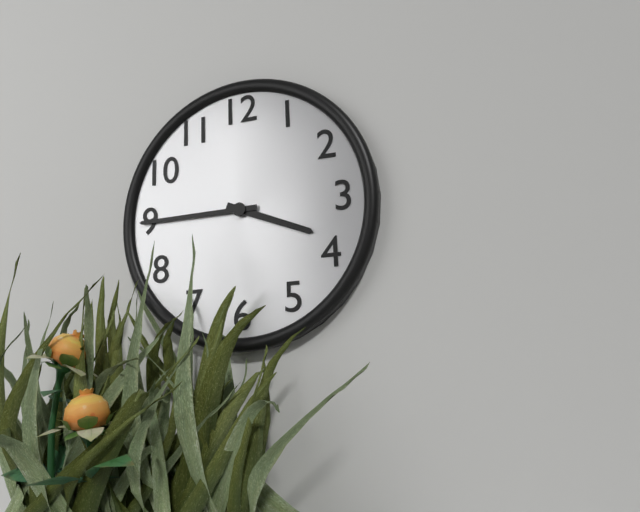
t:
3,45
